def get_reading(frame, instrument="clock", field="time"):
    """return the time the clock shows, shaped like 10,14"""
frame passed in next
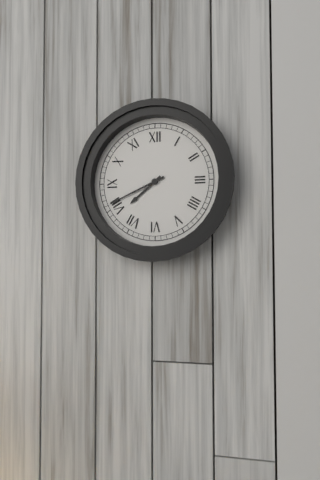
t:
7,41
